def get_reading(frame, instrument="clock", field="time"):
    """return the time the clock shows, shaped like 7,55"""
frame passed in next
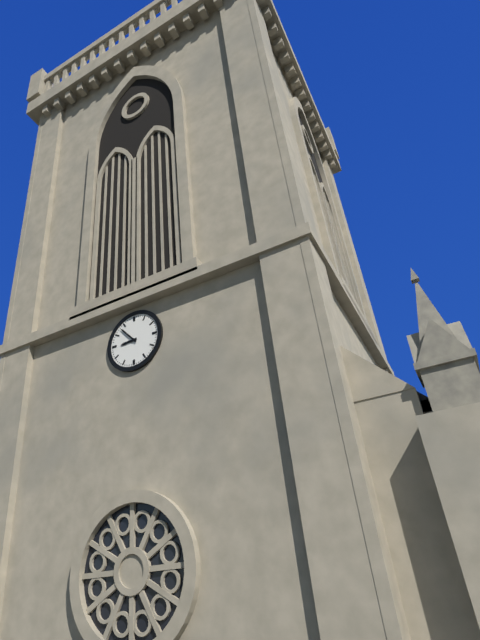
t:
8,53
